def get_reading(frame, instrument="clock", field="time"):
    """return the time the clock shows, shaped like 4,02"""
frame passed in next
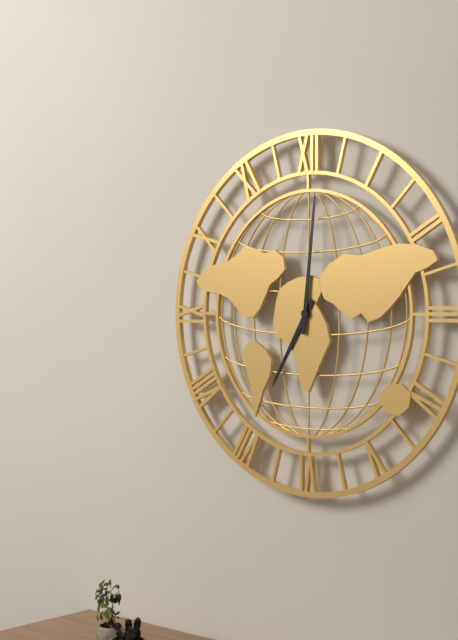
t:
7,01
